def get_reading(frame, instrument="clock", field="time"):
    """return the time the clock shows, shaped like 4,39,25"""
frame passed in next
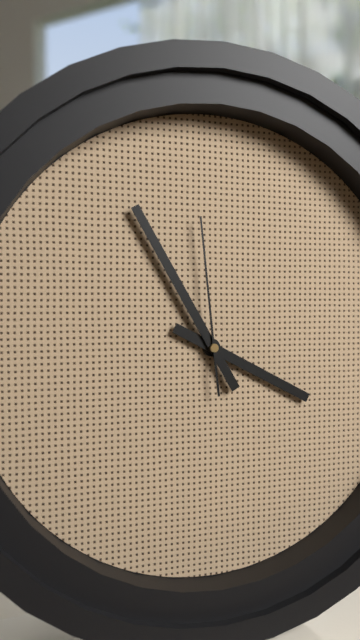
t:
3,55,59
